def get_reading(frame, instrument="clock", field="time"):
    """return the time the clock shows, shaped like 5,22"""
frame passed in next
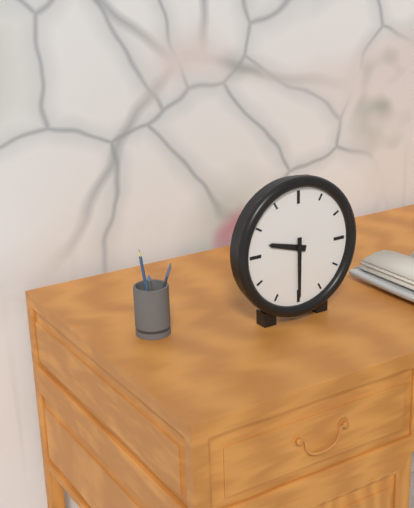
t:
9,30
